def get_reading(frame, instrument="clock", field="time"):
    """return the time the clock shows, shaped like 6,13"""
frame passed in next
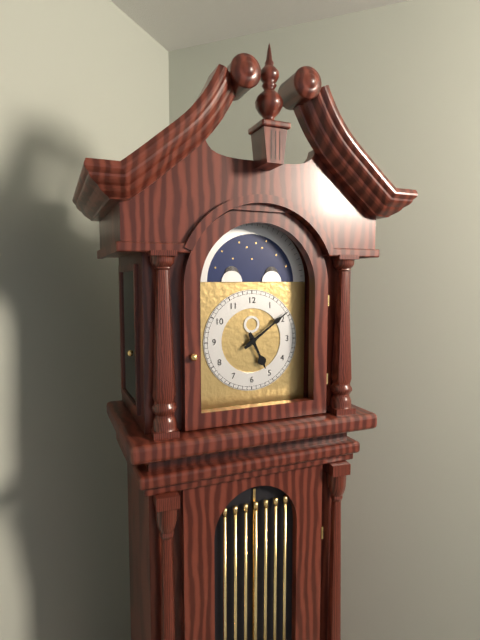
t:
5,09
